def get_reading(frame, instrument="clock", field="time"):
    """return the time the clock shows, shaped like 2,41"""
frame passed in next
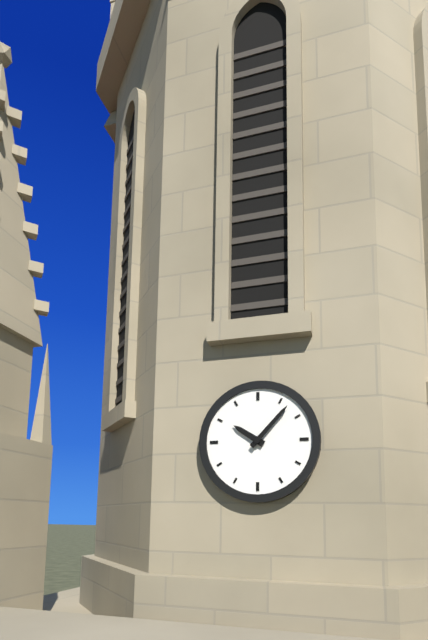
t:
10,07
